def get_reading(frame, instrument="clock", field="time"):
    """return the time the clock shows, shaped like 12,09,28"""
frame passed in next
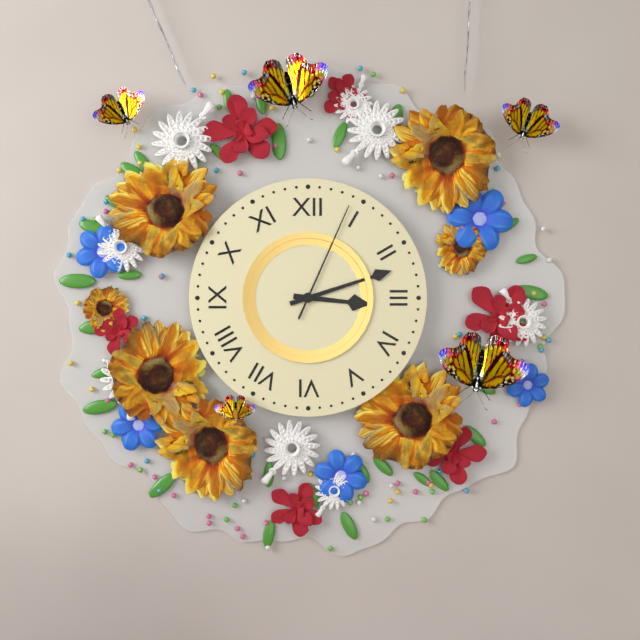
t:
3,12,04
